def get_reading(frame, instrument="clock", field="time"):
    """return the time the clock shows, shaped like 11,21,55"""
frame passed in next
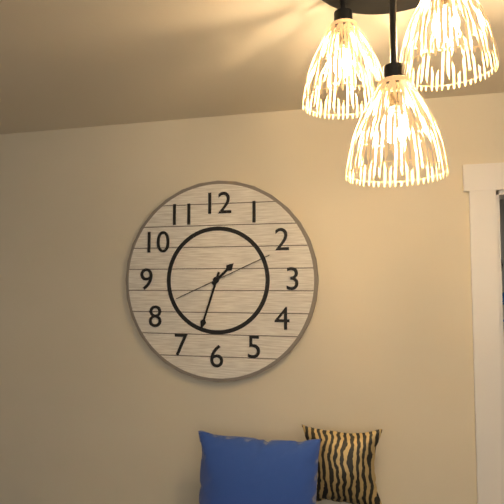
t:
1,33,11
